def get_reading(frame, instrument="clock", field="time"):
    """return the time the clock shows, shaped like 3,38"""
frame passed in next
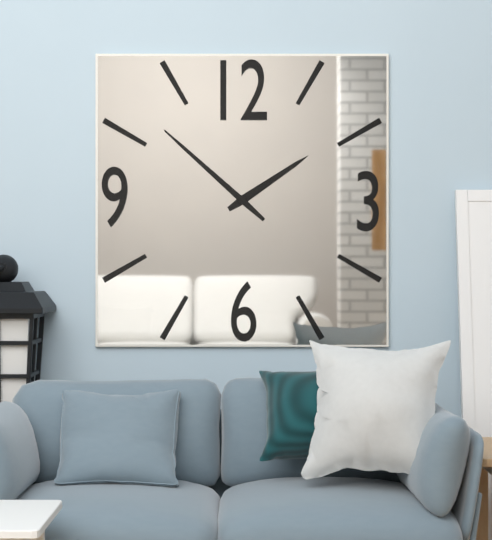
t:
1,52
